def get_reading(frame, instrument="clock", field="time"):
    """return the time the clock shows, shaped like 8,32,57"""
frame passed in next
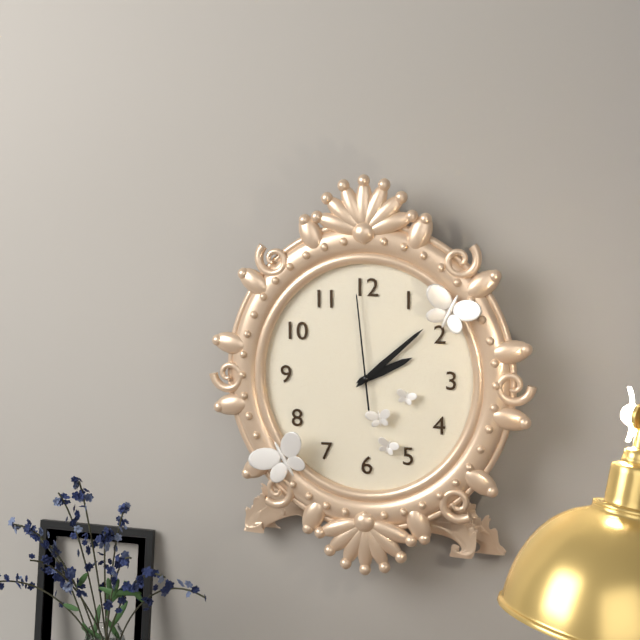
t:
2,08,59
